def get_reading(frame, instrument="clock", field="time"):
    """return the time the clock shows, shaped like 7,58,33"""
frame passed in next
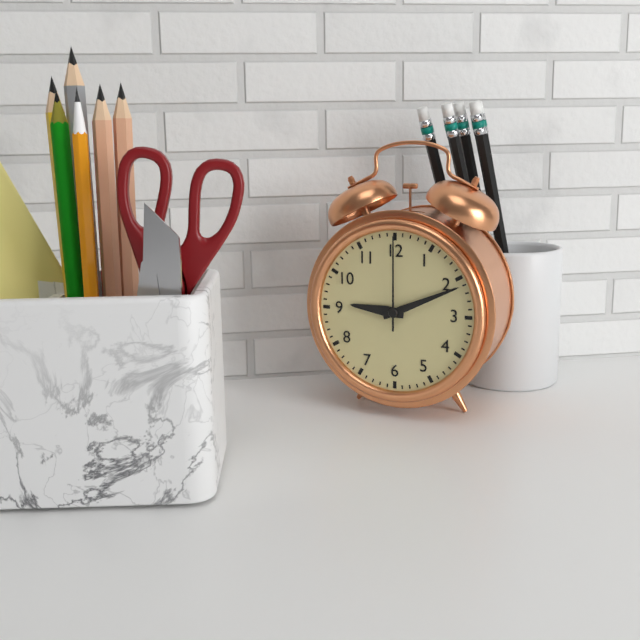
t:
9,11,00
